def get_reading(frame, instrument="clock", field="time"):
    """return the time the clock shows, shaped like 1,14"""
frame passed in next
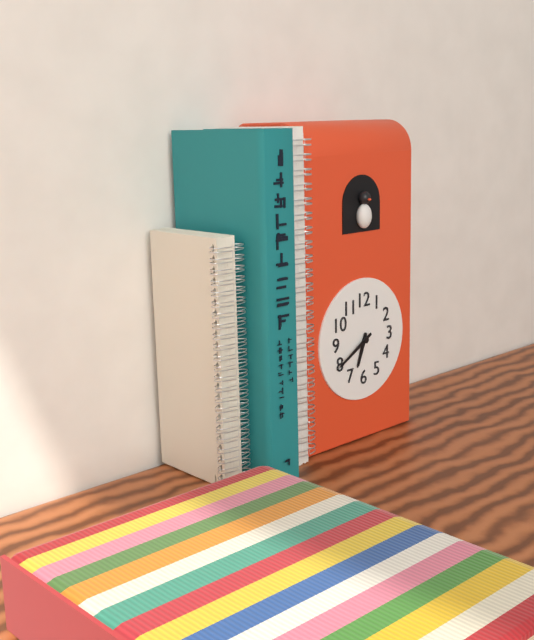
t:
6,40
